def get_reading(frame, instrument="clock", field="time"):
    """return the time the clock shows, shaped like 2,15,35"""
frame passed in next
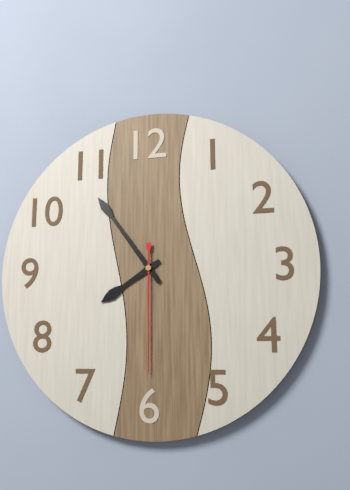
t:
7,54,30
